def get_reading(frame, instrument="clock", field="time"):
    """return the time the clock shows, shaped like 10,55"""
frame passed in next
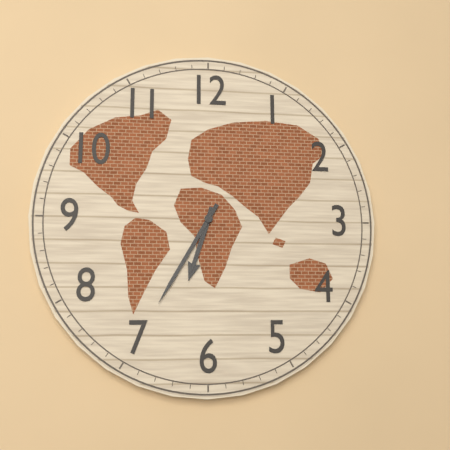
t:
6,35
